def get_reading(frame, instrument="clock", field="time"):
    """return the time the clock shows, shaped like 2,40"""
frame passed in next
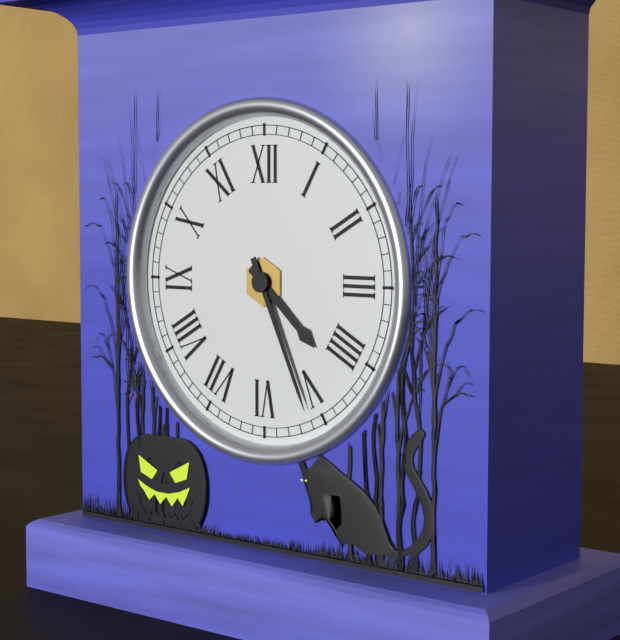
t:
4,26
